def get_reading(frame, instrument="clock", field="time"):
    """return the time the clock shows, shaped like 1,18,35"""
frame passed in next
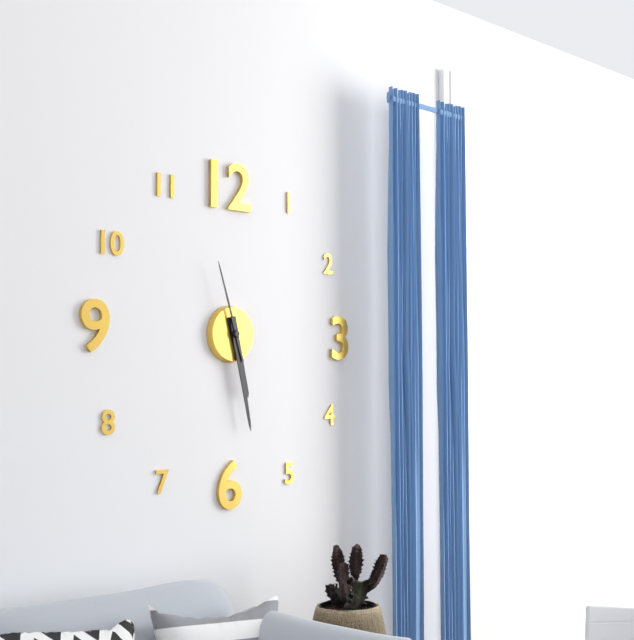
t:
5,28,57
